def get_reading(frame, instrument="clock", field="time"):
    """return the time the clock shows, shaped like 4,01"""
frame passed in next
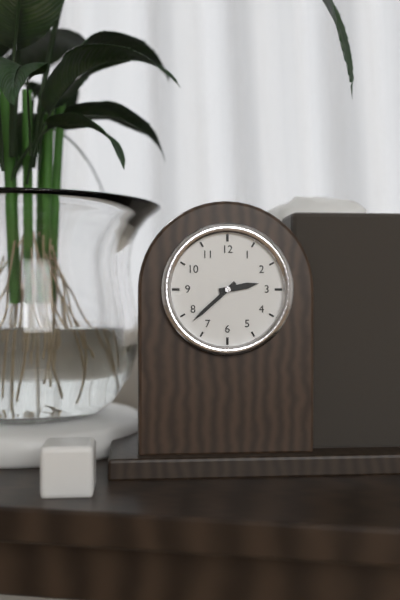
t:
2,38
